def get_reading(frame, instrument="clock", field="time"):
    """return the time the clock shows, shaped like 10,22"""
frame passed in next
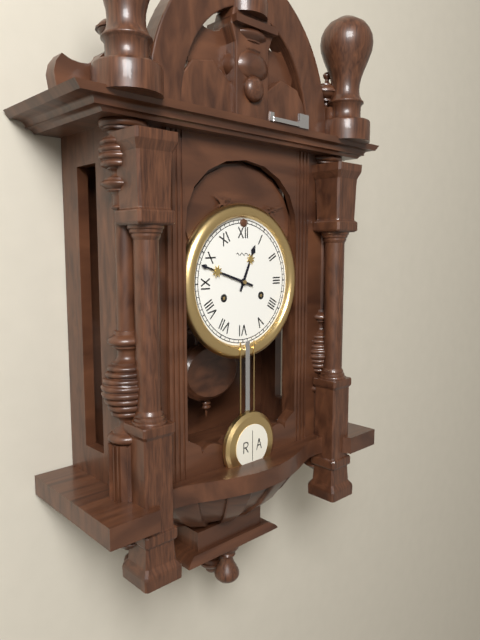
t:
12,48
